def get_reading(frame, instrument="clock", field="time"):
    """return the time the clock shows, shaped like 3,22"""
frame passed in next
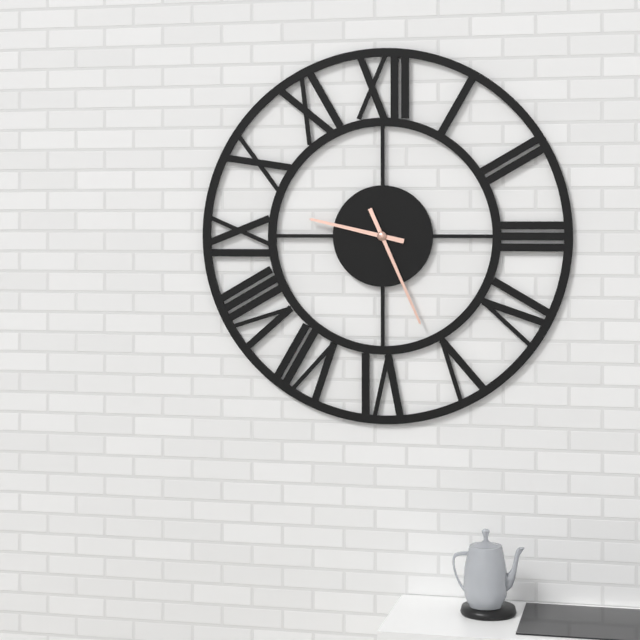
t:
9,26
